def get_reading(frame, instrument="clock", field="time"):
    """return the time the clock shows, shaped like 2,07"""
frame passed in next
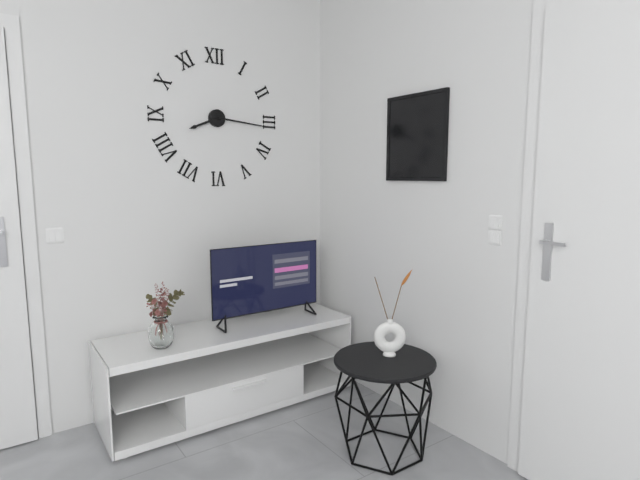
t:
8,16
